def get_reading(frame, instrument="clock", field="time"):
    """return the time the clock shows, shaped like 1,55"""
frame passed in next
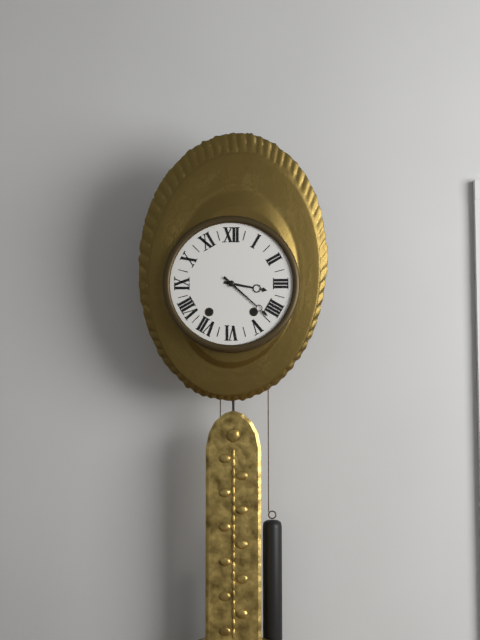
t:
3,22
